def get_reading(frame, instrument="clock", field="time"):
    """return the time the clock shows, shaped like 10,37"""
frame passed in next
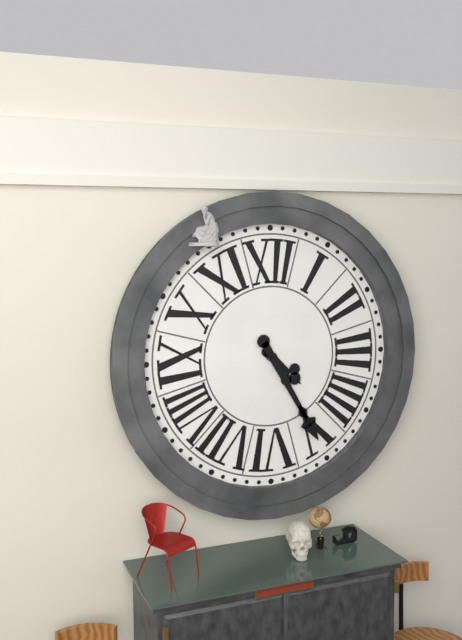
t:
4,25
